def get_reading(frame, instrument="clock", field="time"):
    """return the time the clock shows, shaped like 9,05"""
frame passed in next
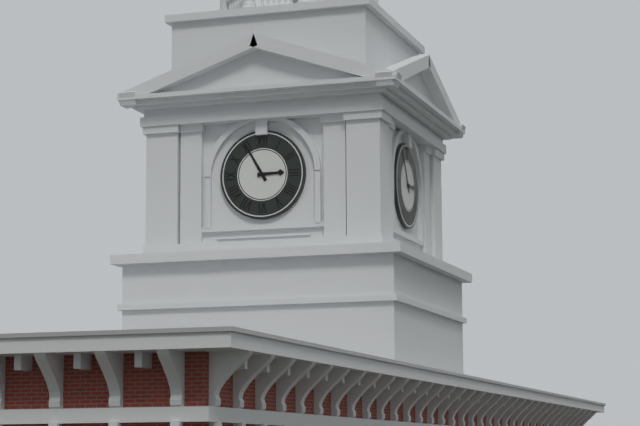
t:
2,55
